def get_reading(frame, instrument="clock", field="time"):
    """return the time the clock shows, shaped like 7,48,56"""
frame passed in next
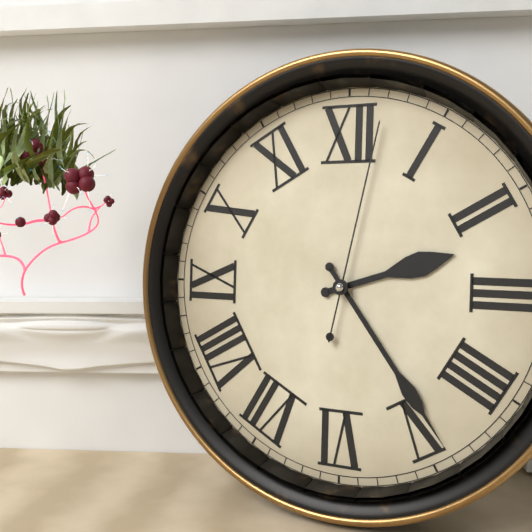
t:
2,24,02
